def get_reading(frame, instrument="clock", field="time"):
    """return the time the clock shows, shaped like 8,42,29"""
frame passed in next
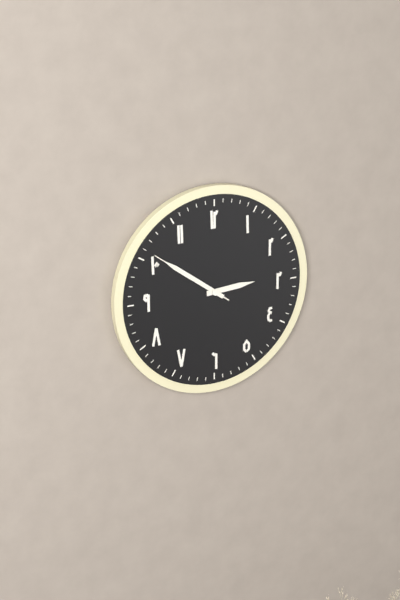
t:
2,51,51
